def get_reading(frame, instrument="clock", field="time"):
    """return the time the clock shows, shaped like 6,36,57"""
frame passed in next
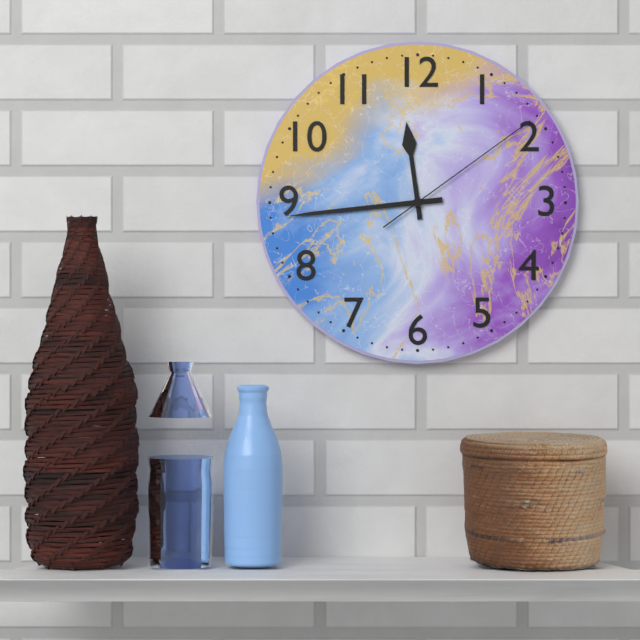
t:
11,44,09
